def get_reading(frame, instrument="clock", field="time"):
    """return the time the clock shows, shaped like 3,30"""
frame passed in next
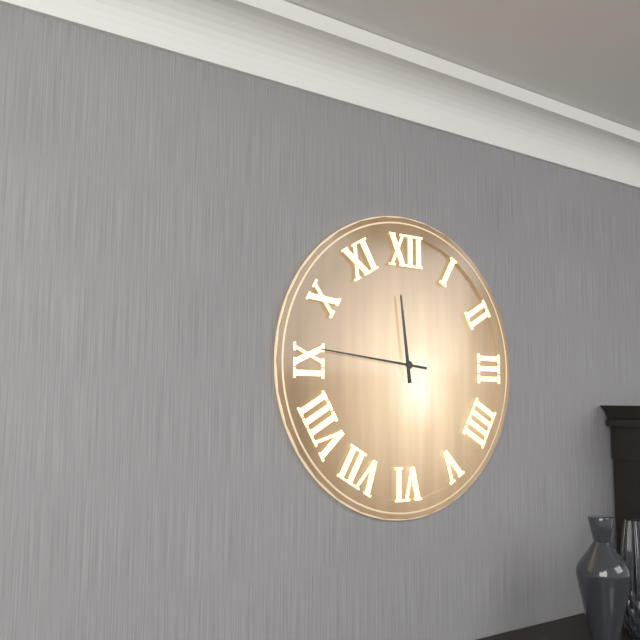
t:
11,46
